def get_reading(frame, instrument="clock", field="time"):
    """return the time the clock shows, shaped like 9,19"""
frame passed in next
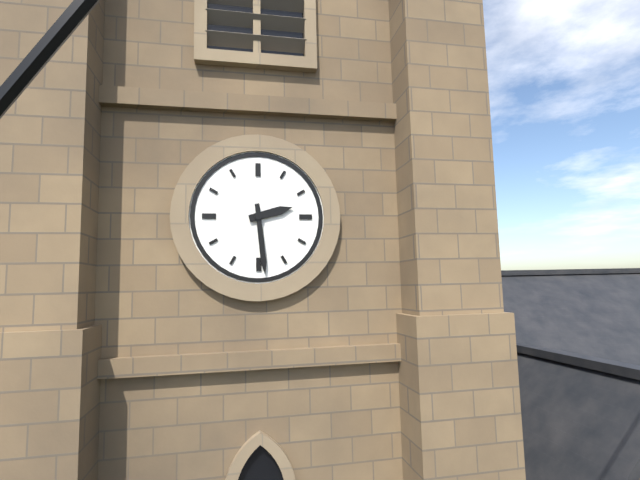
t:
2,29
